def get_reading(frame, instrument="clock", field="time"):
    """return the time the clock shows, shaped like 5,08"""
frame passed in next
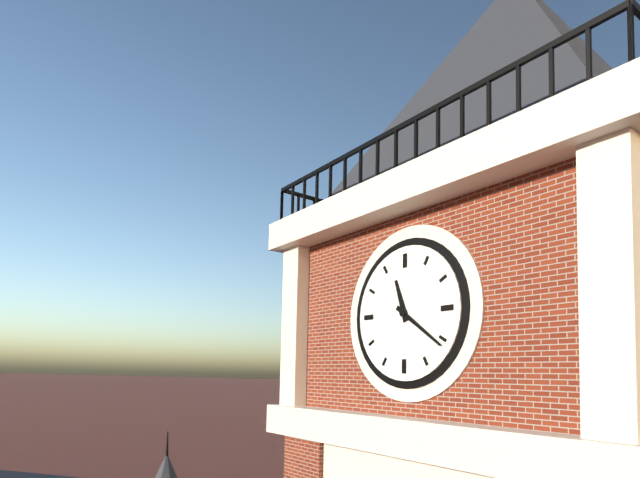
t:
11,21
